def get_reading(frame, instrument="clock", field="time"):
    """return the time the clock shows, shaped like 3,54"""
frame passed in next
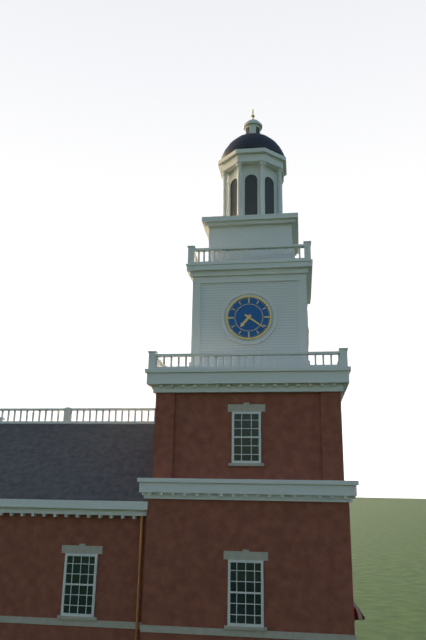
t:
7,21
